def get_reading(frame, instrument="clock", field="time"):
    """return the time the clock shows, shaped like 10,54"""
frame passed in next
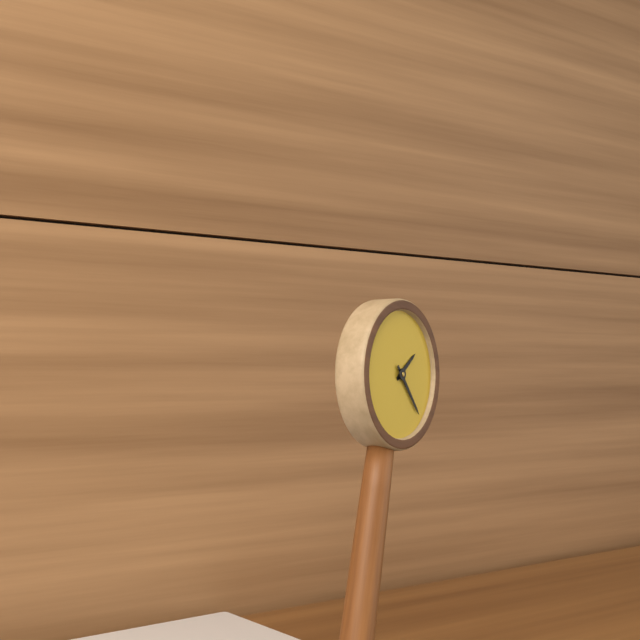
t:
1,21
